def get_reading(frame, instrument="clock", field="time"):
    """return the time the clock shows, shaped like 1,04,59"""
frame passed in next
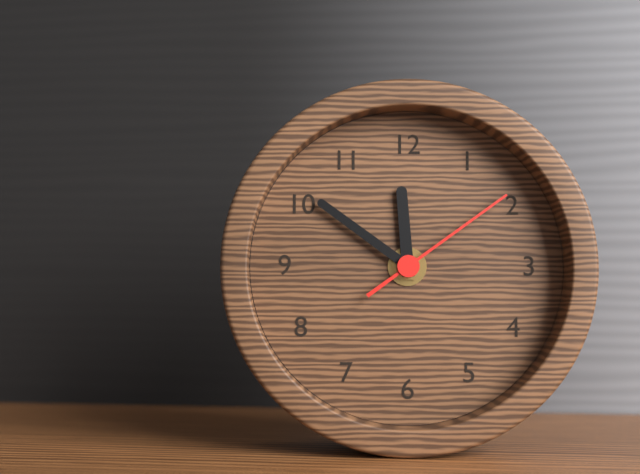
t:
11,51,09
